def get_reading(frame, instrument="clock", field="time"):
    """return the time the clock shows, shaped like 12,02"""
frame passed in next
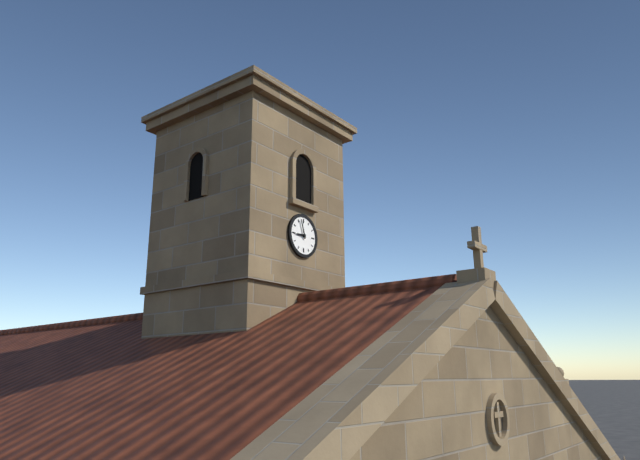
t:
8,57
